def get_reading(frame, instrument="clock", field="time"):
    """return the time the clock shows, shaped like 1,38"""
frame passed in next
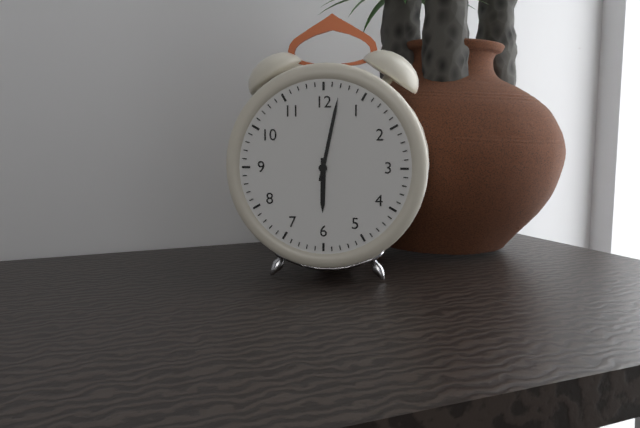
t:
6,02
